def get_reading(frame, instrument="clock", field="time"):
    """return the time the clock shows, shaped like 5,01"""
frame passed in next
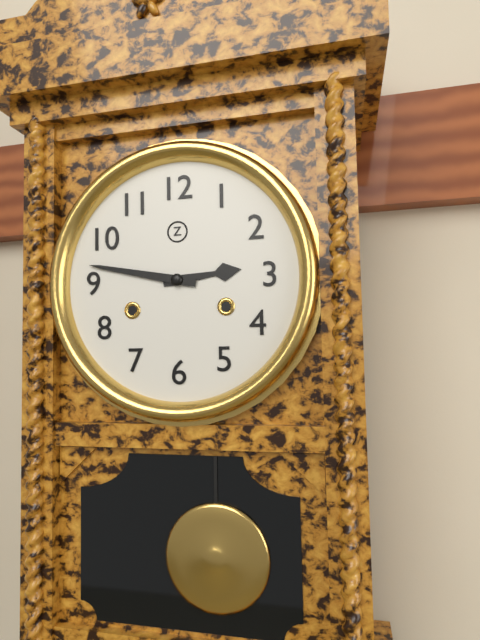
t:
2,47
